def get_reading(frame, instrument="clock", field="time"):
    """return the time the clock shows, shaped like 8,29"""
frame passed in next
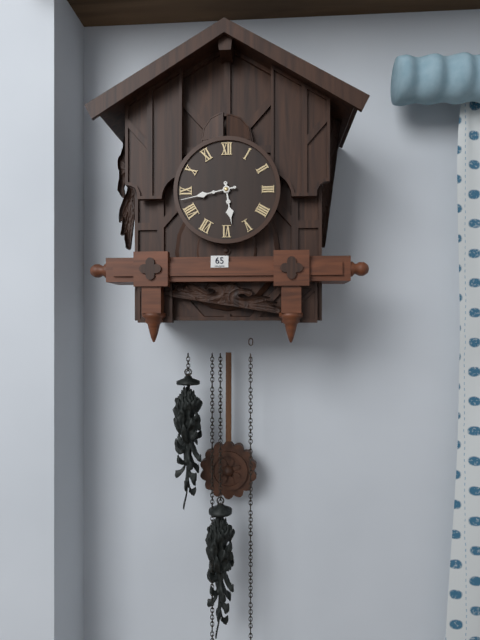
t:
5,43
